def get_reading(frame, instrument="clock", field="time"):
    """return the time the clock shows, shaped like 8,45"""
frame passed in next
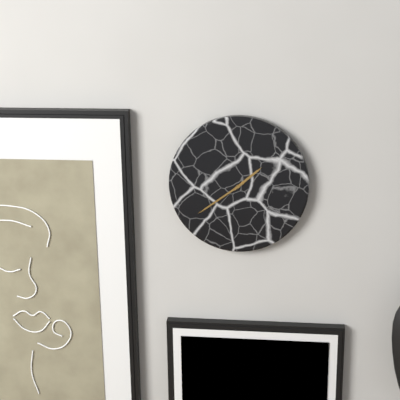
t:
1,39
